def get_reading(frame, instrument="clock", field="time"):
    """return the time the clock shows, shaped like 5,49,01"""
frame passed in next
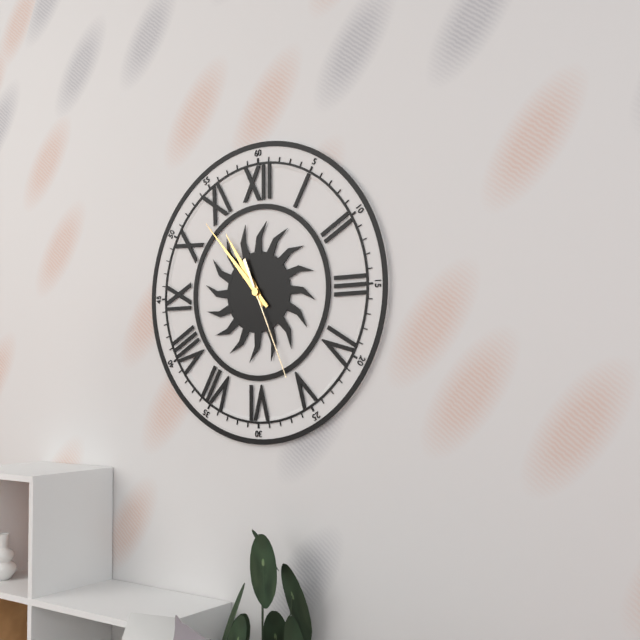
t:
10,53,26
